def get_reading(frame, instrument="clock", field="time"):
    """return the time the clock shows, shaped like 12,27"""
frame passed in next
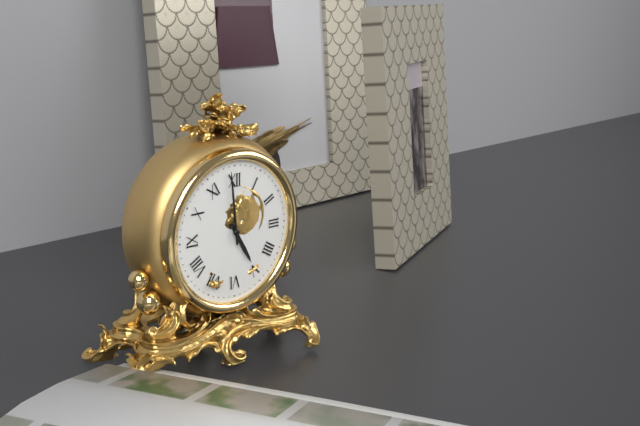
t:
4,59
